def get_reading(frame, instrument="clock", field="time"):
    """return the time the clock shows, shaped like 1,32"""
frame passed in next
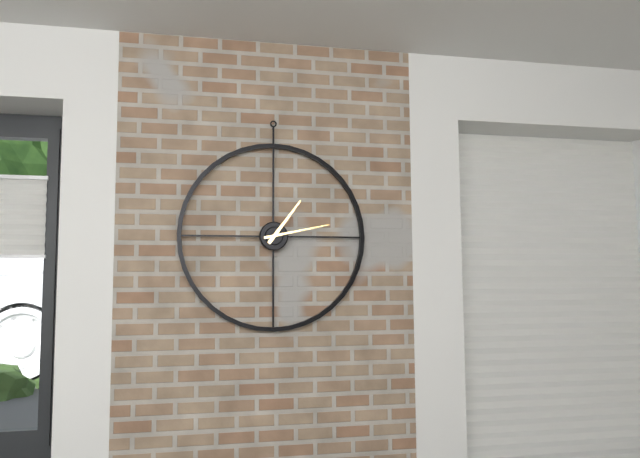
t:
1,13
